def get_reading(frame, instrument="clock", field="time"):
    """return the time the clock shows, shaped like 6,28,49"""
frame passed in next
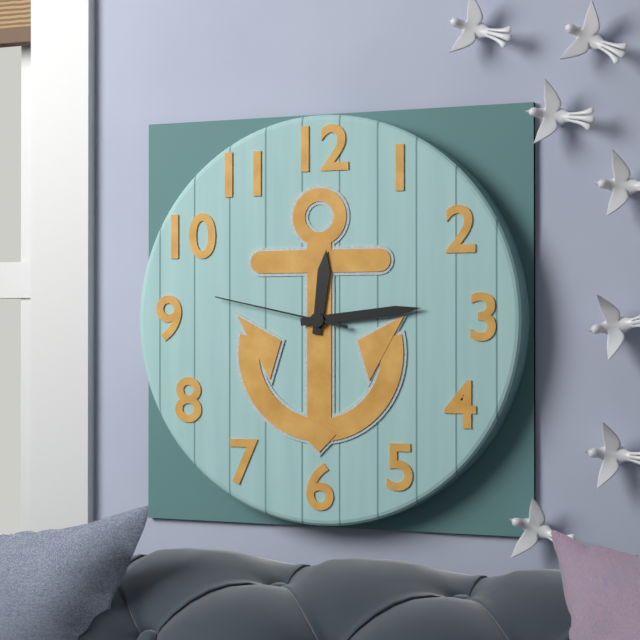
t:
12,14,47
